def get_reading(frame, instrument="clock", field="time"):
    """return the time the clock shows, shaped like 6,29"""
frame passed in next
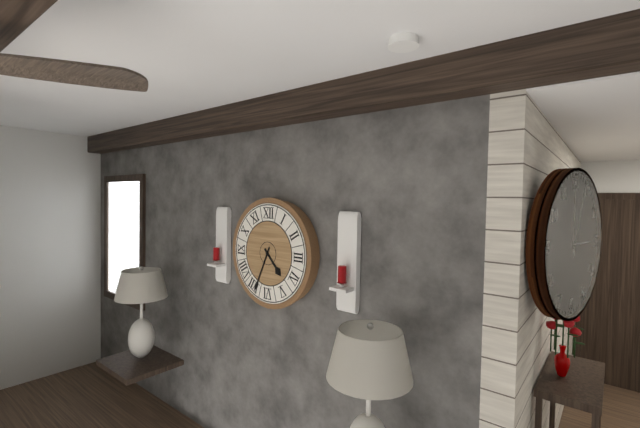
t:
4,34
